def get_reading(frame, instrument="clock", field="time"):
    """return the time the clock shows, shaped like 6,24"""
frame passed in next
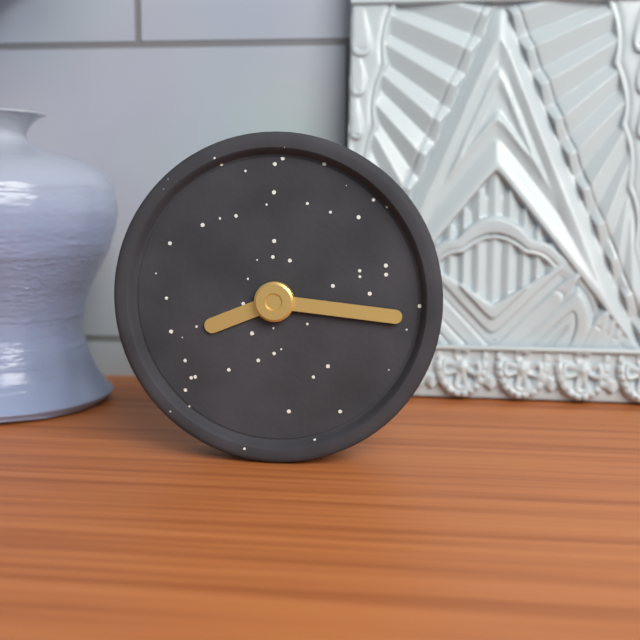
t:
8,16
